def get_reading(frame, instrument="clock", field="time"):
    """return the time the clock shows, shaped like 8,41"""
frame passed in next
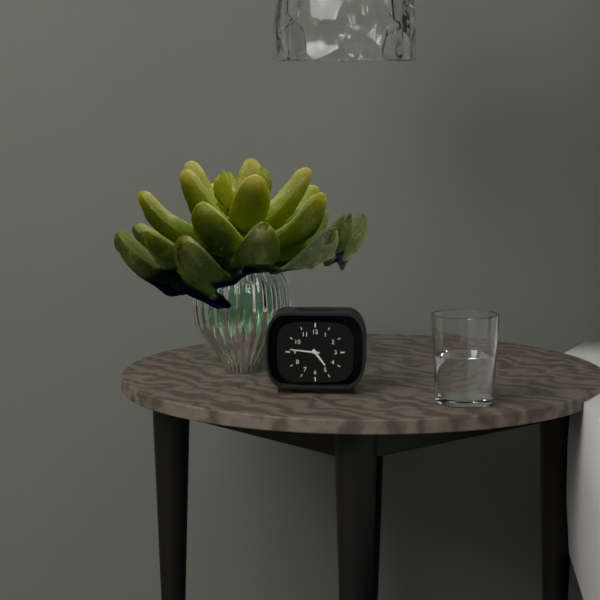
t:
4,46
